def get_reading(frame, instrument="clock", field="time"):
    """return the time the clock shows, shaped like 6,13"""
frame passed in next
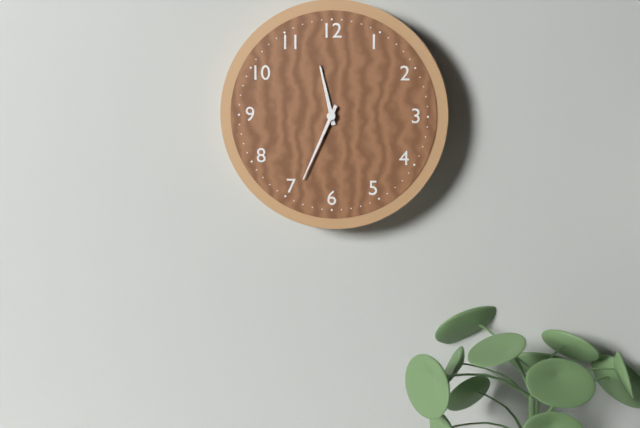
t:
11,34
